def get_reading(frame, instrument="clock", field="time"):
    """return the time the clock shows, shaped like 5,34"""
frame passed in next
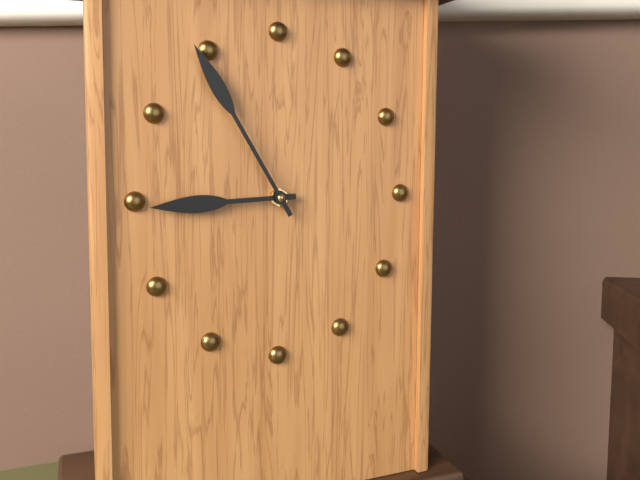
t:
8,55
